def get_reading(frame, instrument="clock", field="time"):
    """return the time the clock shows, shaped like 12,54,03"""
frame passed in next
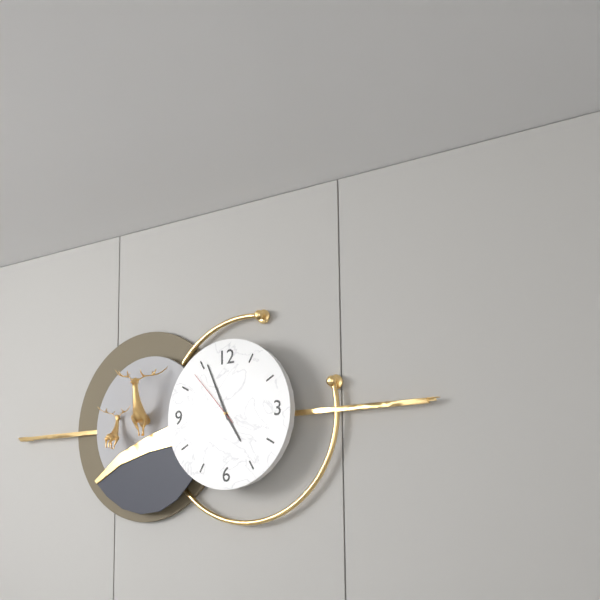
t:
4,56,53
